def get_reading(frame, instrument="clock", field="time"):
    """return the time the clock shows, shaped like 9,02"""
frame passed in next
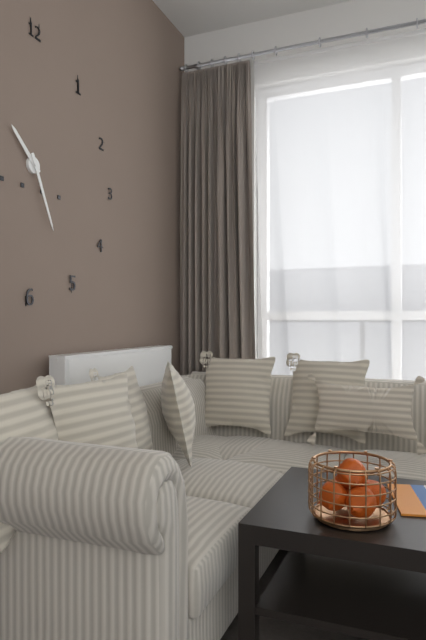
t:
10,26
